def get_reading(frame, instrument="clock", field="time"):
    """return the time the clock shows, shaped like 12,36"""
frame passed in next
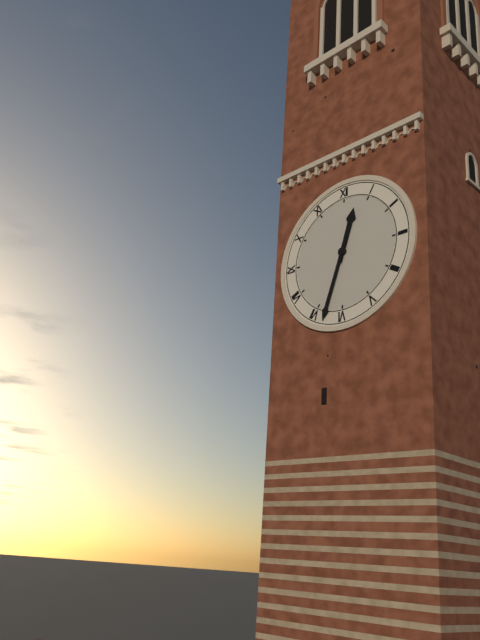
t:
12,33
